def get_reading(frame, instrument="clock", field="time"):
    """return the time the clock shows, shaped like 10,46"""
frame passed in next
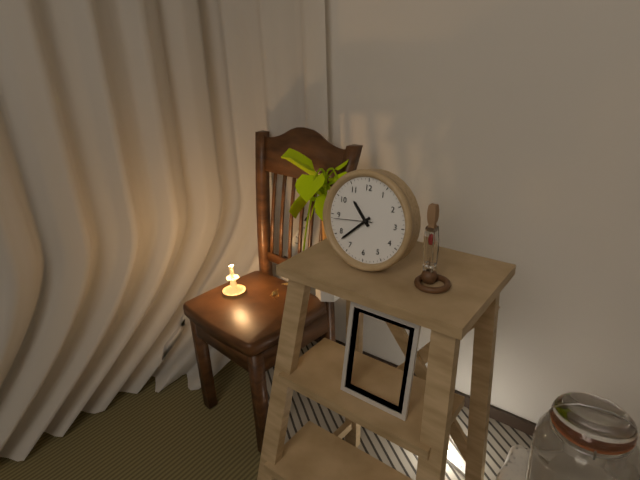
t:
10,38
